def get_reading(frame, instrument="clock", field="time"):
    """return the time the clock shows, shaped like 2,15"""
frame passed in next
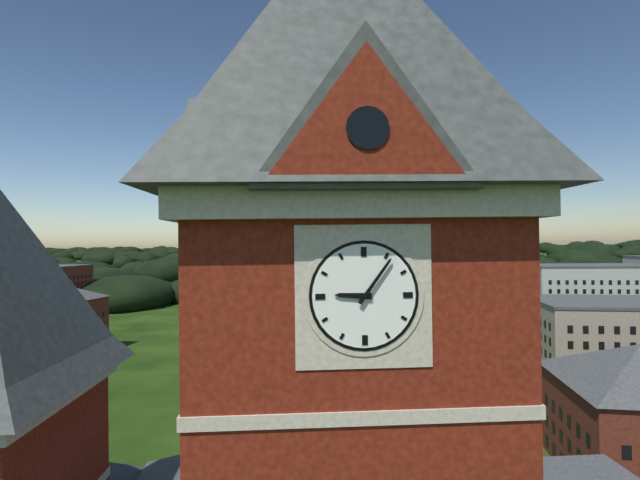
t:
9,06
